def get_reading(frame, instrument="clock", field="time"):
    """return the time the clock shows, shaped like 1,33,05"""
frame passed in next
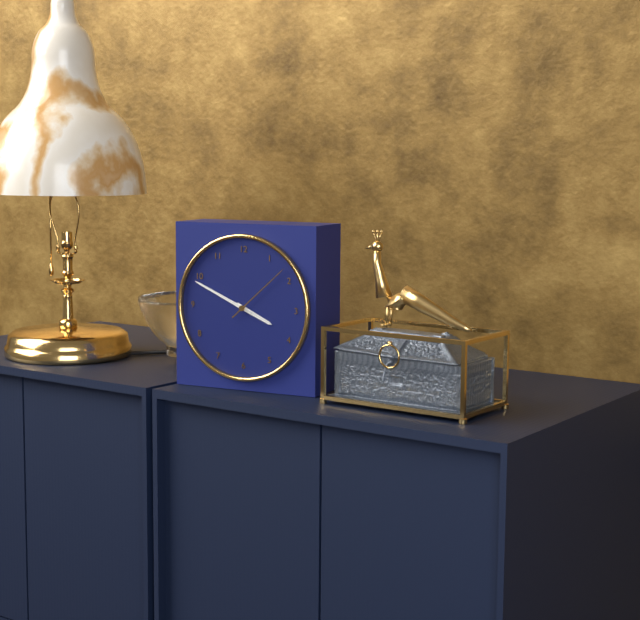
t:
3,49,08
